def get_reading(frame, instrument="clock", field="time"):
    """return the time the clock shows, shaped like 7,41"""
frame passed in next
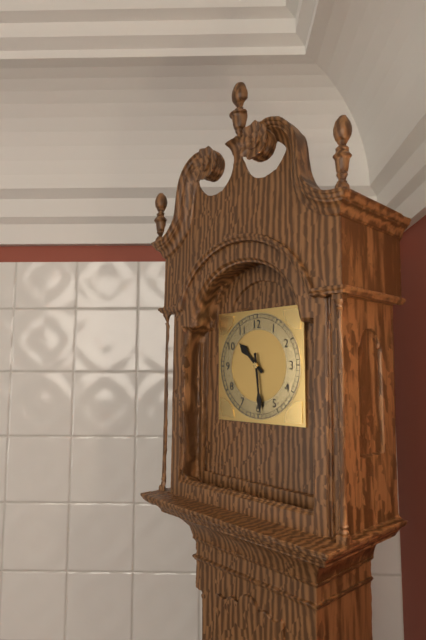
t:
10,29
